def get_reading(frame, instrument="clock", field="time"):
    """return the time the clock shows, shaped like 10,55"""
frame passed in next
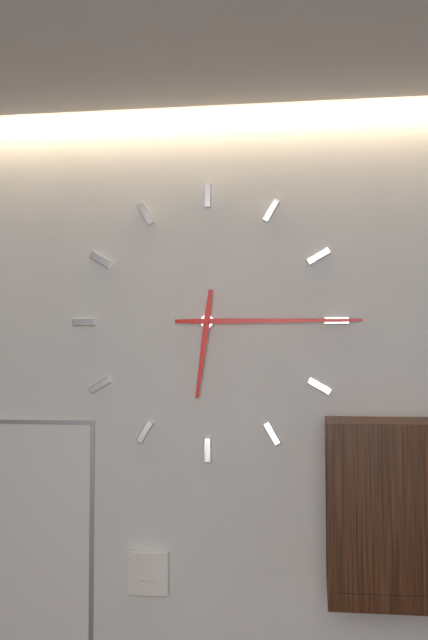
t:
6,15
